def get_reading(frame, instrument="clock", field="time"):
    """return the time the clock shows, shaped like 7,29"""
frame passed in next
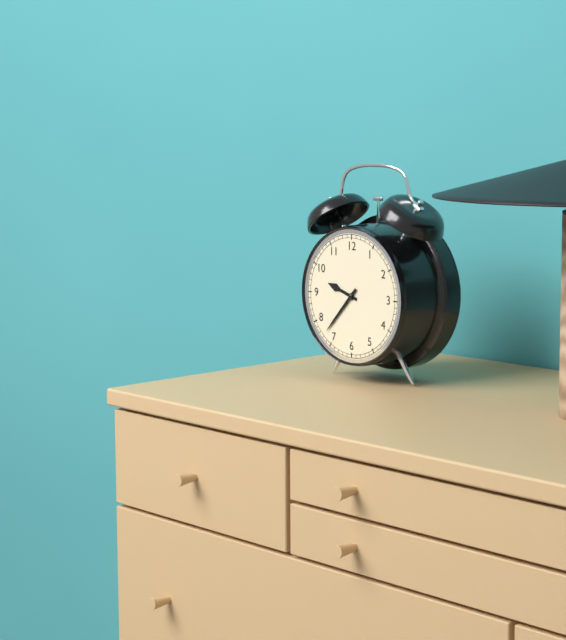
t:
9,37
